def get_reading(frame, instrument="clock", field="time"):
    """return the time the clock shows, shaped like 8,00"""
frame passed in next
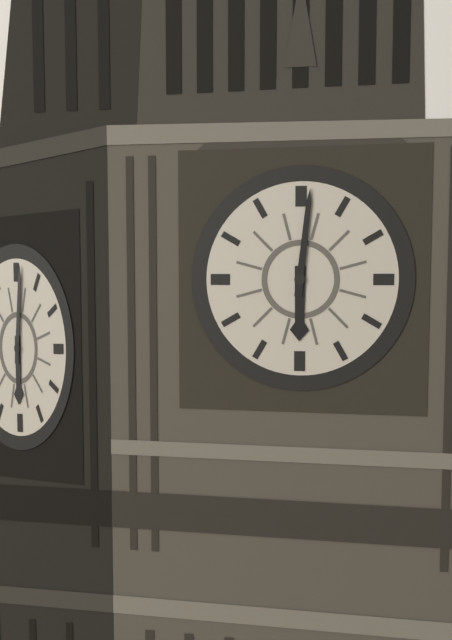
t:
6,01
